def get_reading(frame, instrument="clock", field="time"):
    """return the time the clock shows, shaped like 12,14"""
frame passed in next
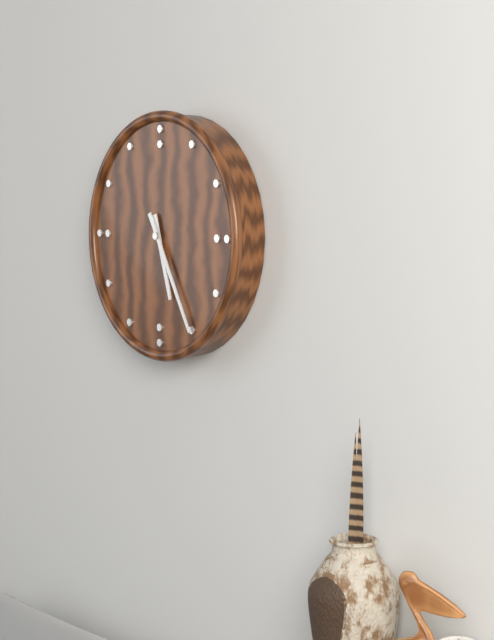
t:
5,25
